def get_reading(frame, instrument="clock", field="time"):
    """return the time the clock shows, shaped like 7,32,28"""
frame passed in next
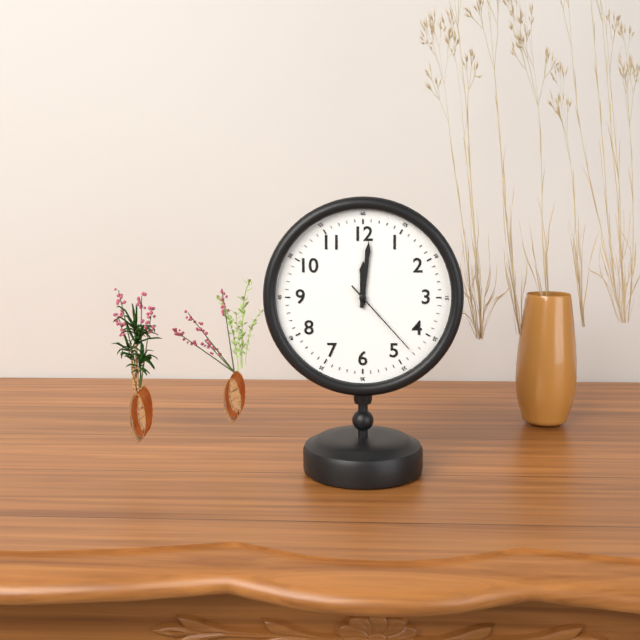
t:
12,01,23
